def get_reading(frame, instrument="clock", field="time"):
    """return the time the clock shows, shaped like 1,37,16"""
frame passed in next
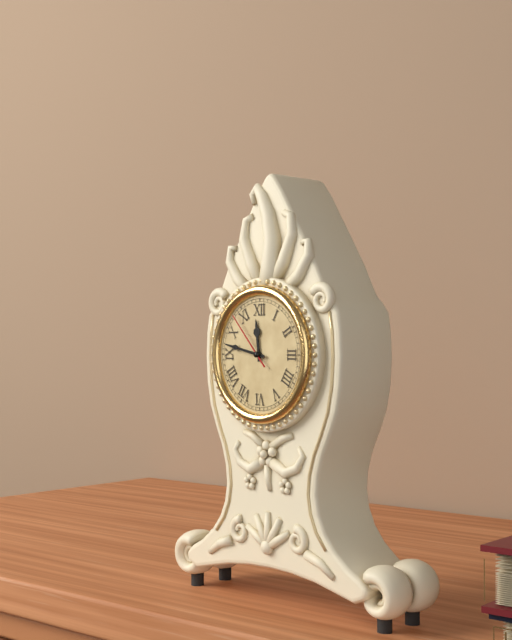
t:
11,47,53
